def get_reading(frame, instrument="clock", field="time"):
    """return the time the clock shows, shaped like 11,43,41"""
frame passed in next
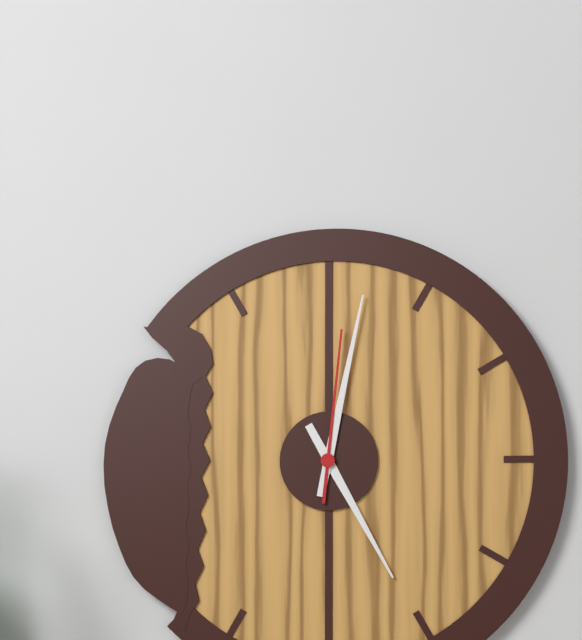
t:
5,02,01
